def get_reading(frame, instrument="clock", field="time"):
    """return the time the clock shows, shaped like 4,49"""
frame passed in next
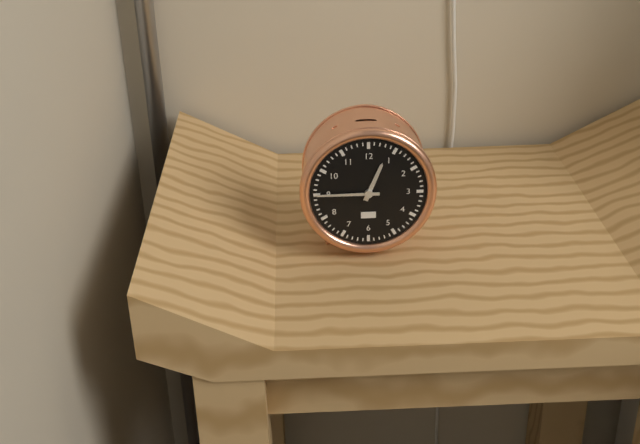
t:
12,45
